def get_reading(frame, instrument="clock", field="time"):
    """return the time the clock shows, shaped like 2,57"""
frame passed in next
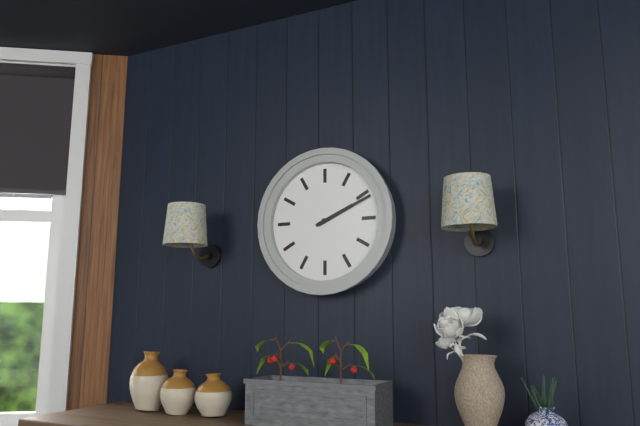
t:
2,11
